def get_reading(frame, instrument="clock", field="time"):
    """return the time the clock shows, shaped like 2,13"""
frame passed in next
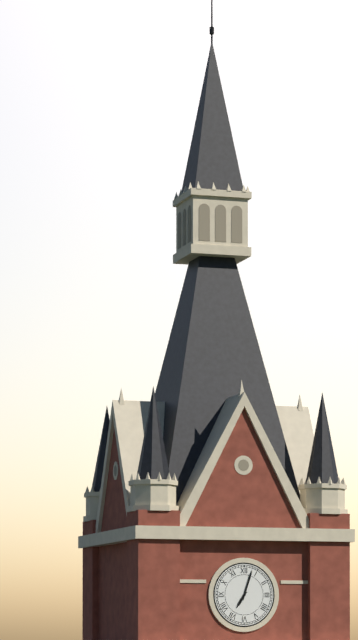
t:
7,03
